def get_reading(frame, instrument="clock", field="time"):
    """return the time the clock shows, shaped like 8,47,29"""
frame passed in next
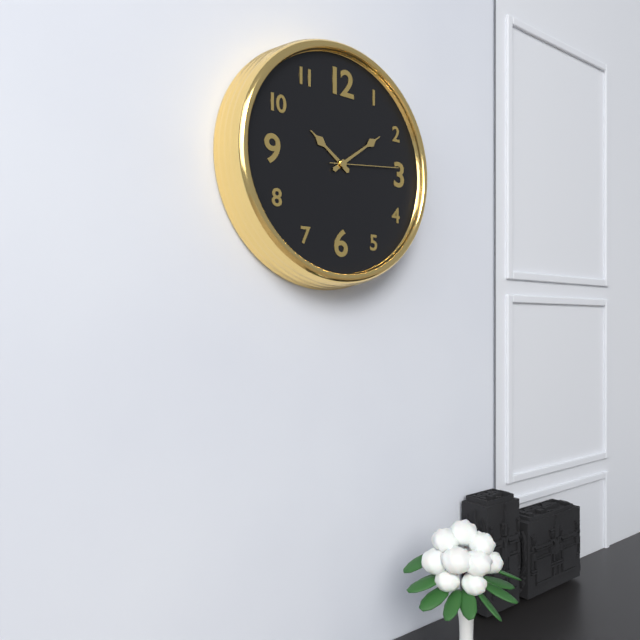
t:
10,09,14
